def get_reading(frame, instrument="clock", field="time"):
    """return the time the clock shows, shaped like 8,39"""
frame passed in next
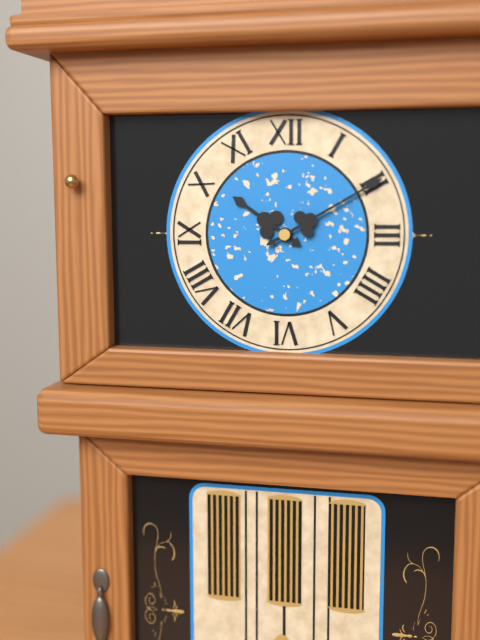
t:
10,10
